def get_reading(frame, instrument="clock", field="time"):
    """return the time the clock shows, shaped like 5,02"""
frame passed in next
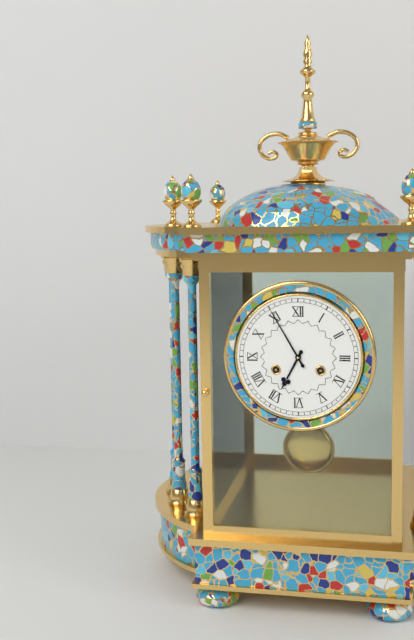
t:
6,55
